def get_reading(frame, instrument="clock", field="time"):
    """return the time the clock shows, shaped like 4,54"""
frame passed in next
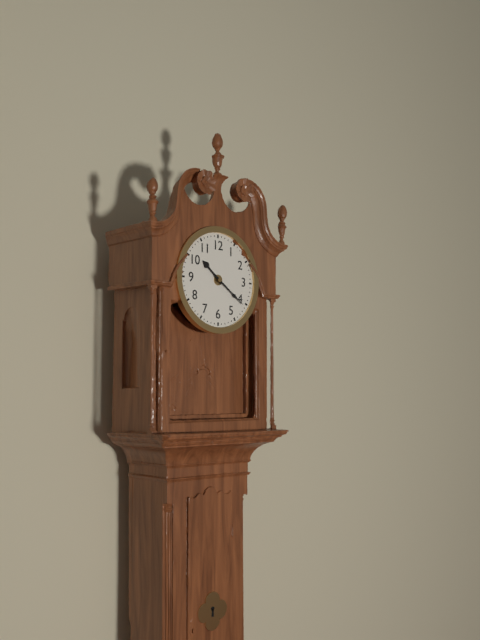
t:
10,21
